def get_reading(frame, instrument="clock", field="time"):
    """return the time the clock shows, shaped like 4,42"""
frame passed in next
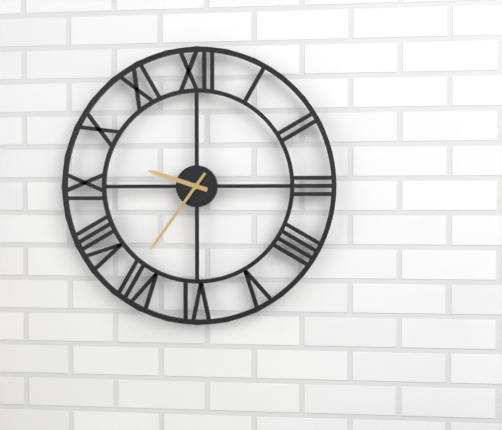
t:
9,36
